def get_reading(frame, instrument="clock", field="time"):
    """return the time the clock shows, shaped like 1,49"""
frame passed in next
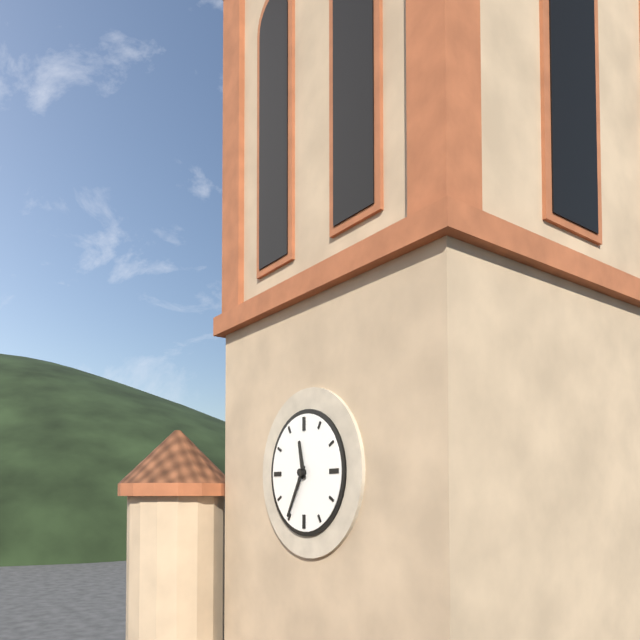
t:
11,35
